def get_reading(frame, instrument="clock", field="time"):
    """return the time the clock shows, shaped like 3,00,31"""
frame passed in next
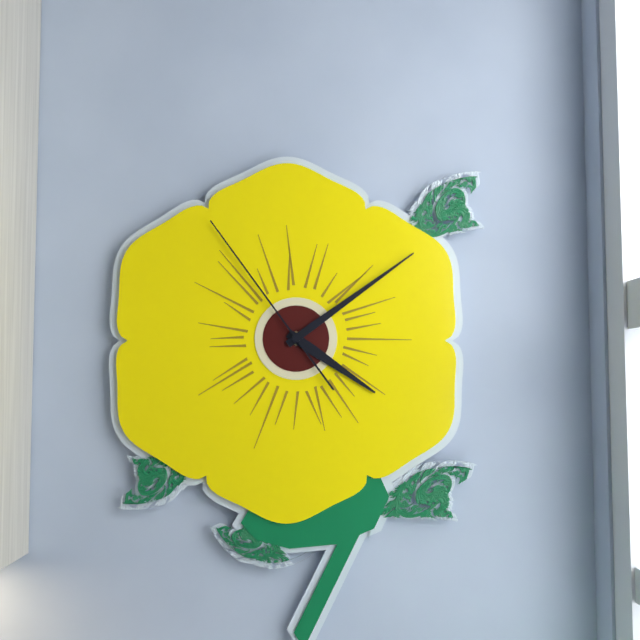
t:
4,09,54
